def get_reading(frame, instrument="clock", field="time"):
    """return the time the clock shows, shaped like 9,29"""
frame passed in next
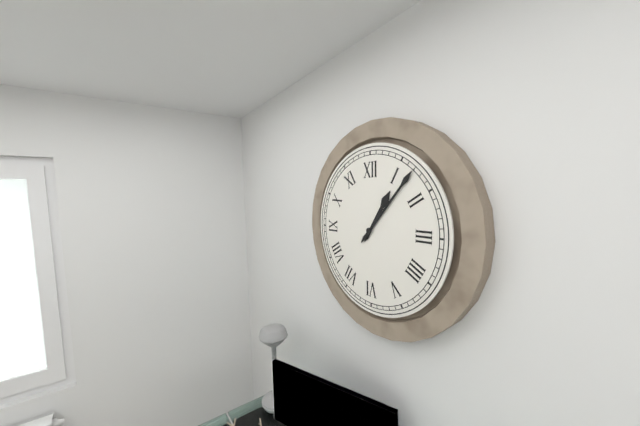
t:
1,07
